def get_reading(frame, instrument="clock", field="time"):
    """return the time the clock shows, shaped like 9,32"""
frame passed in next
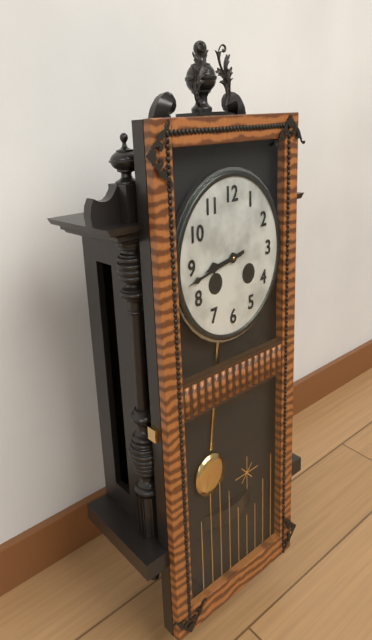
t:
8,43
